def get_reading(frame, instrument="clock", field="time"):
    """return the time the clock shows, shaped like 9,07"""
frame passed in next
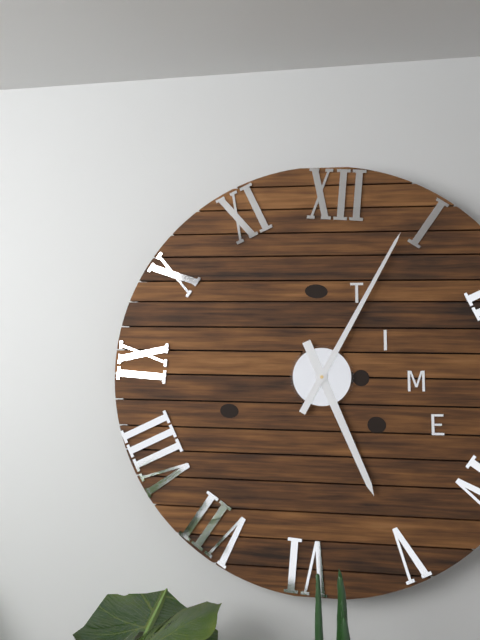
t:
5,04
